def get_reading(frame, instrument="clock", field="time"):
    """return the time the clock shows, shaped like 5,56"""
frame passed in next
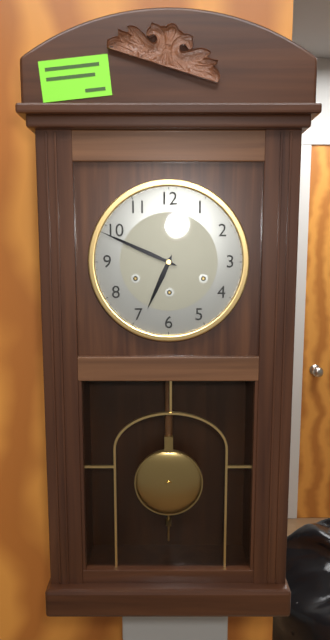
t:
6,49
